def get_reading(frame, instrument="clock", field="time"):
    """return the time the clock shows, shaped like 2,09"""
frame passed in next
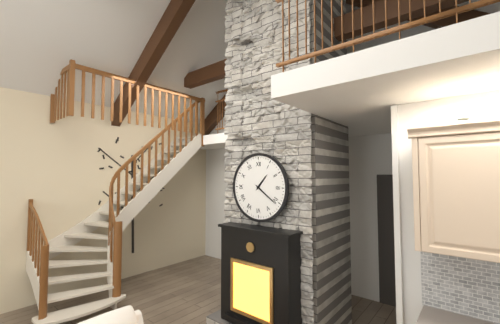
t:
1,21
